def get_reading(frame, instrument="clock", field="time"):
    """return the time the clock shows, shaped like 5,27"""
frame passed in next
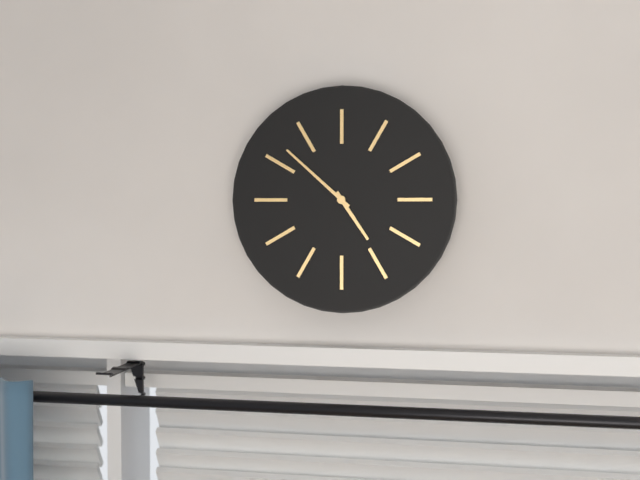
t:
4,52
